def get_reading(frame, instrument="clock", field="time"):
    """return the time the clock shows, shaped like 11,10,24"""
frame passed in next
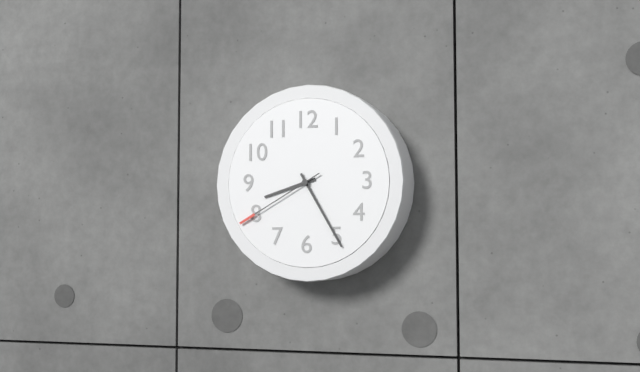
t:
8,25,40
